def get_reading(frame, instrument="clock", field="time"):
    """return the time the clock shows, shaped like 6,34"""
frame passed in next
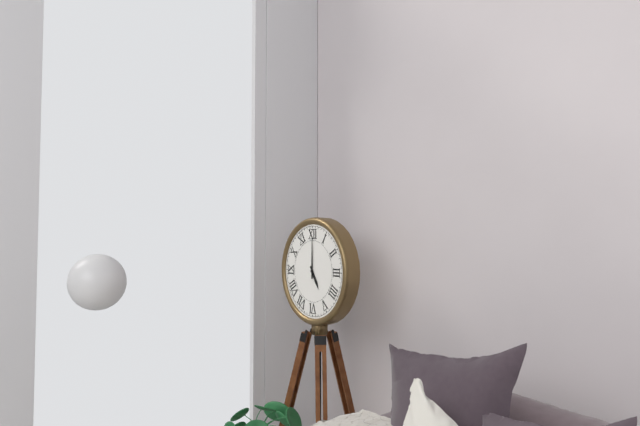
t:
5,00
